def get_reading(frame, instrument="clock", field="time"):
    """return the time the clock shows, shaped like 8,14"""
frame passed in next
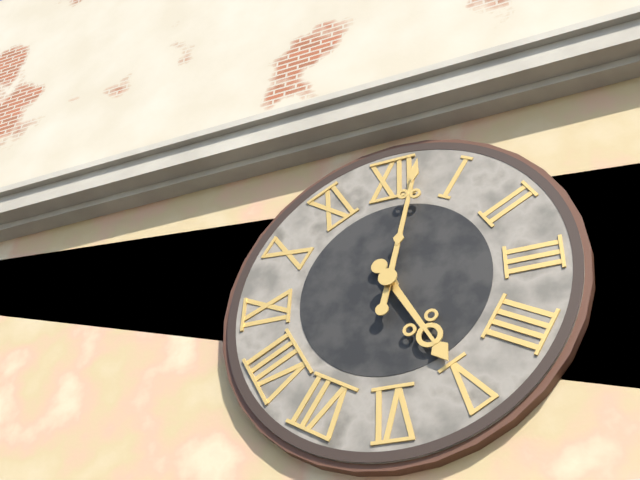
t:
5,02
